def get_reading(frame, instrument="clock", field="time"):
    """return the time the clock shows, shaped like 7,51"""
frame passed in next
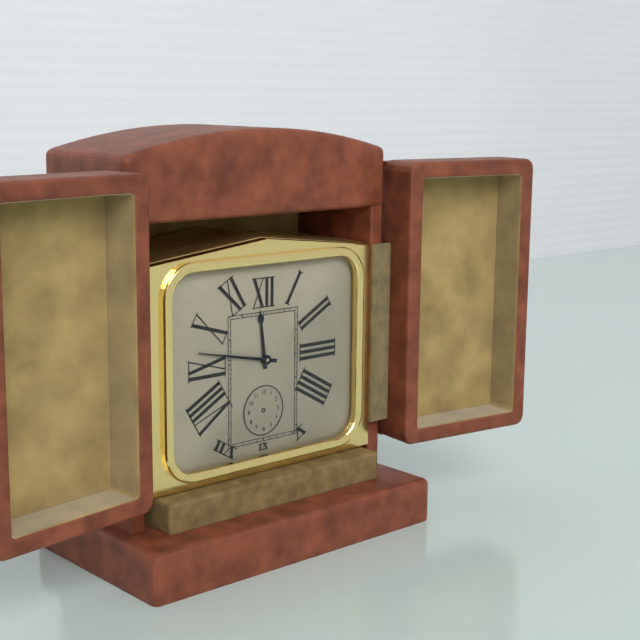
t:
11,47
